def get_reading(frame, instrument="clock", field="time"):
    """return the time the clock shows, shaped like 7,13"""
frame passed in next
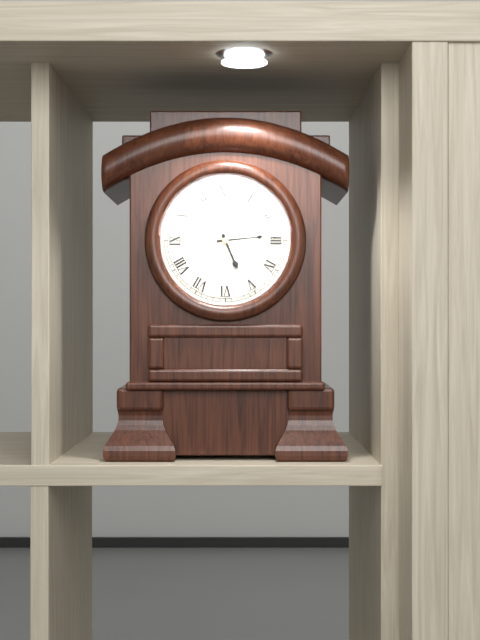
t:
5,14
